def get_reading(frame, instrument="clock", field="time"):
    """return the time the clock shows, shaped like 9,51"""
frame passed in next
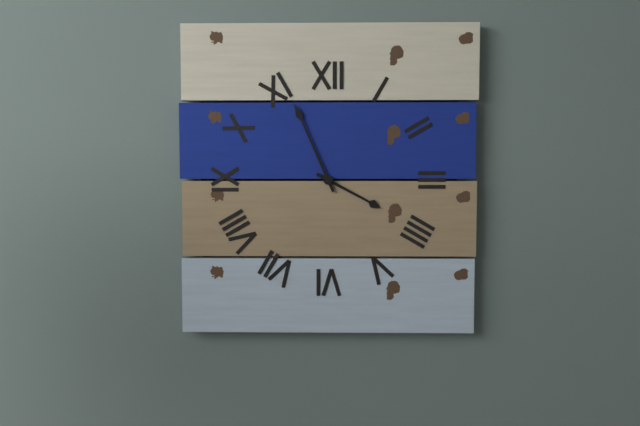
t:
3,56
